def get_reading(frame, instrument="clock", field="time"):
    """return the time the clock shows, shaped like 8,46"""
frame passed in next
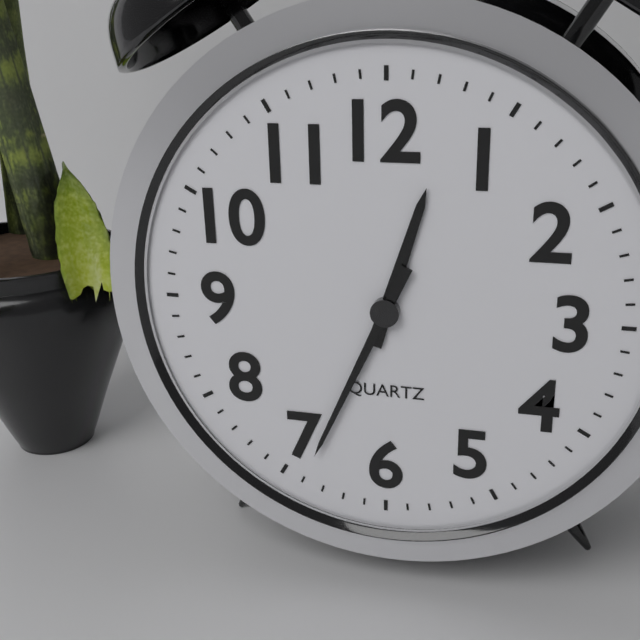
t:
12,34
